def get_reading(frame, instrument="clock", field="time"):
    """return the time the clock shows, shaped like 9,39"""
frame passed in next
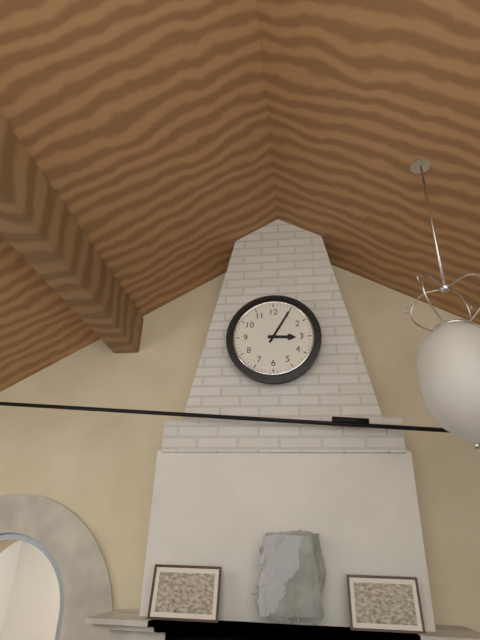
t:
3,05
